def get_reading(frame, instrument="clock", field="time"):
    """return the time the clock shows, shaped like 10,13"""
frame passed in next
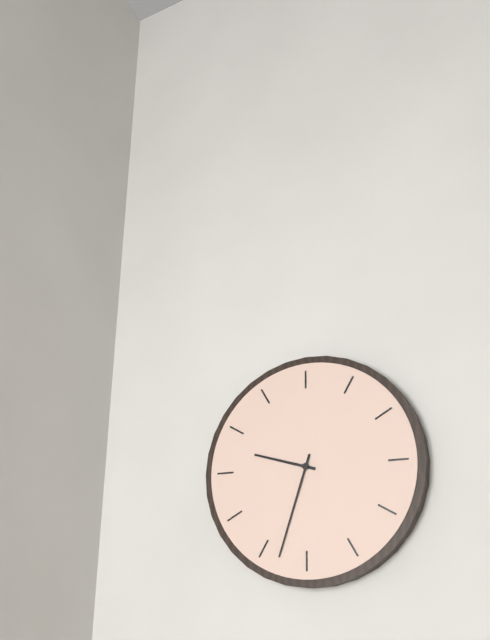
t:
9,33
